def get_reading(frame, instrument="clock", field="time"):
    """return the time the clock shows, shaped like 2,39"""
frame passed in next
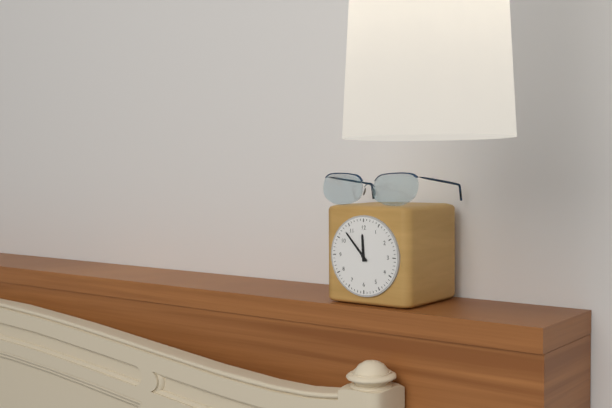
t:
11,53
